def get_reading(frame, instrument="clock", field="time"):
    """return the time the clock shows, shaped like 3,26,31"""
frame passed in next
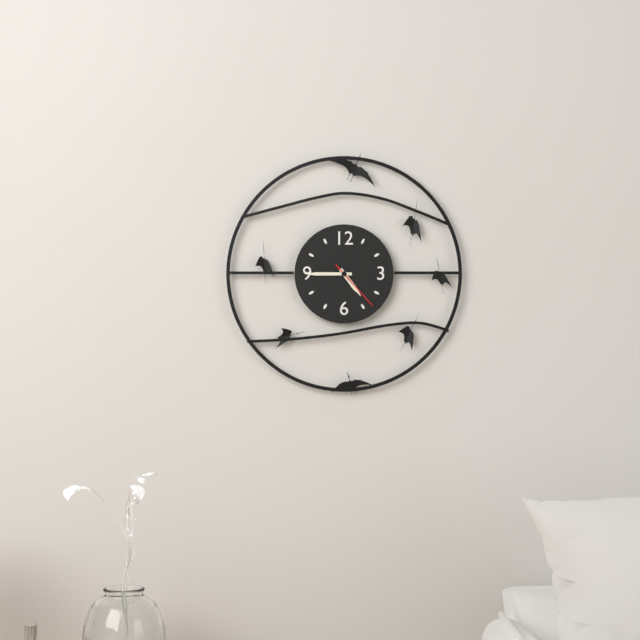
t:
4,45,23
